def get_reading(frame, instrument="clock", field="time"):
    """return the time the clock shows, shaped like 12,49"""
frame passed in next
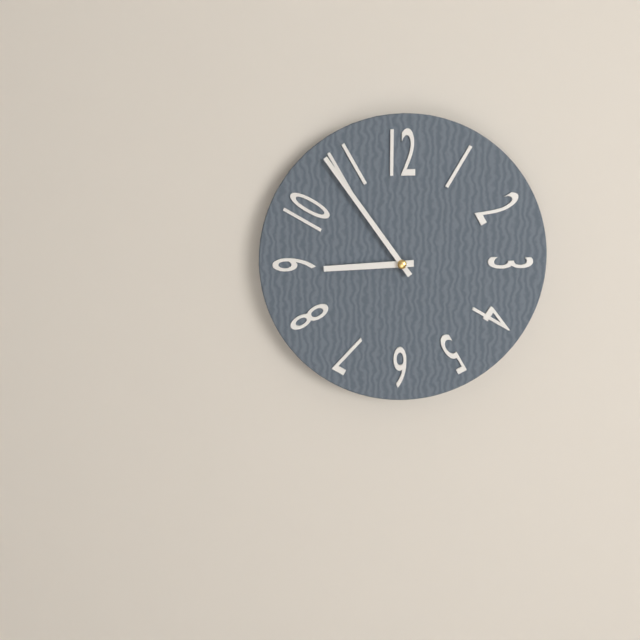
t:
8,54
